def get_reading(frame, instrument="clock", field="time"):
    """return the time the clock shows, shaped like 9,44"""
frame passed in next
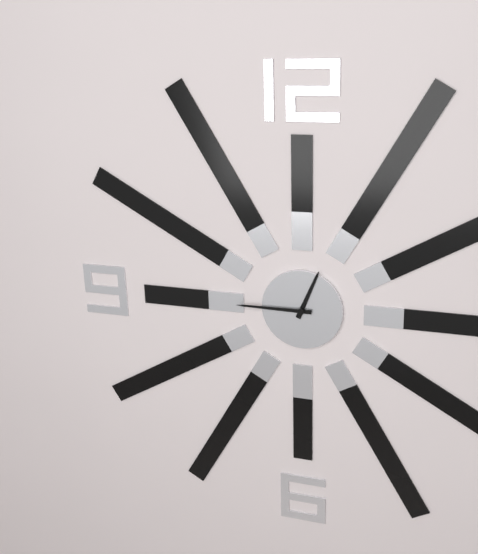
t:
12,45
